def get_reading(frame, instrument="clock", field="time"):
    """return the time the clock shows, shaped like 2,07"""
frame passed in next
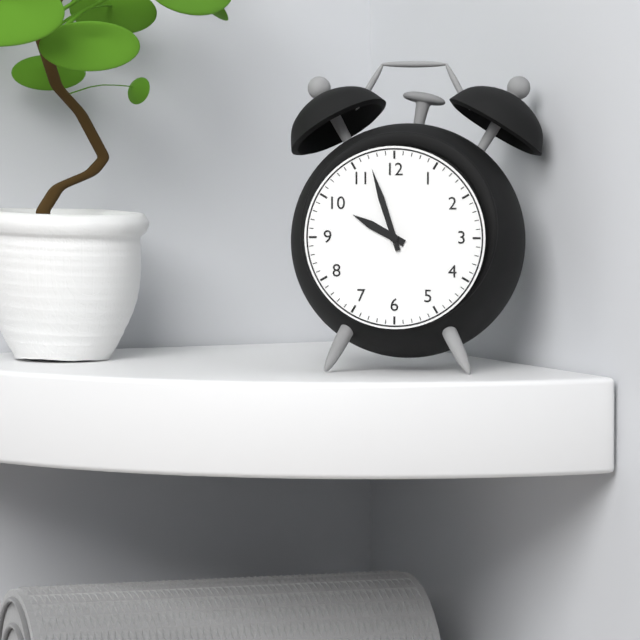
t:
9,57
